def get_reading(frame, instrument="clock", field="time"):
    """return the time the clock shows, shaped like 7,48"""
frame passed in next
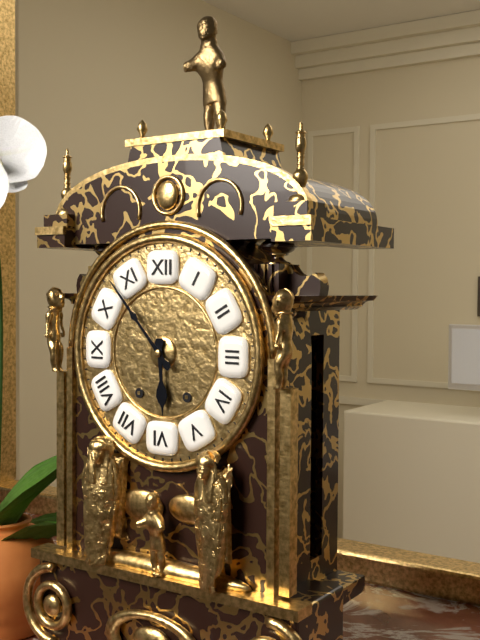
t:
5,53
